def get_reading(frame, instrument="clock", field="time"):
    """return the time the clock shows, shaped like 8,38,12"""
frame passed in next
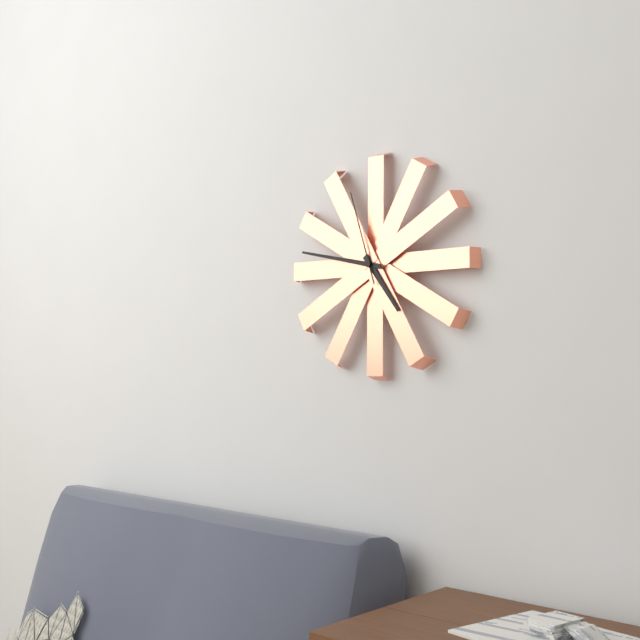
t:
4,47,57
